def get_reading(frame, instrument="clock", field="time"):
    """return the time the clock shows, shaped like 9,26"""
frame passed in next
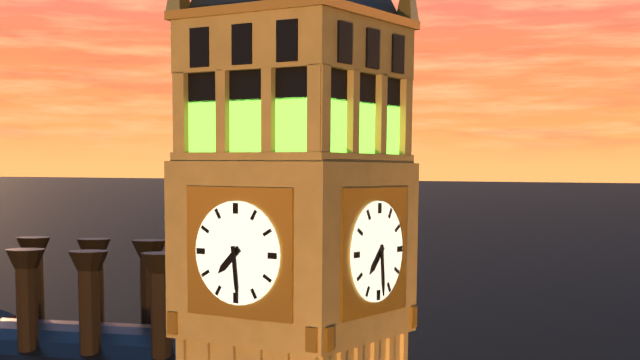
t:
7,29
